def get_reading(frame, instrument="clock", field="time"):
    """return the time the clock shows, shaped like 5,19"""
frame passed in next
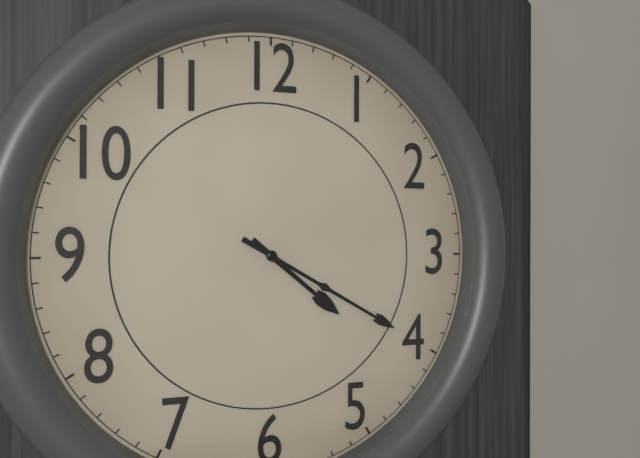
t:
4,20
